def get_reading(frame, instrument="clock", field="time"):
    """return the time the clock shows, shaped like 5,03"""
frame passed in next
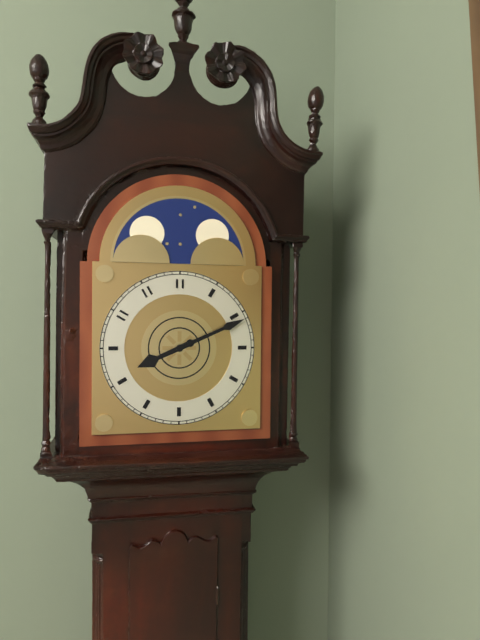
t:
8,11
